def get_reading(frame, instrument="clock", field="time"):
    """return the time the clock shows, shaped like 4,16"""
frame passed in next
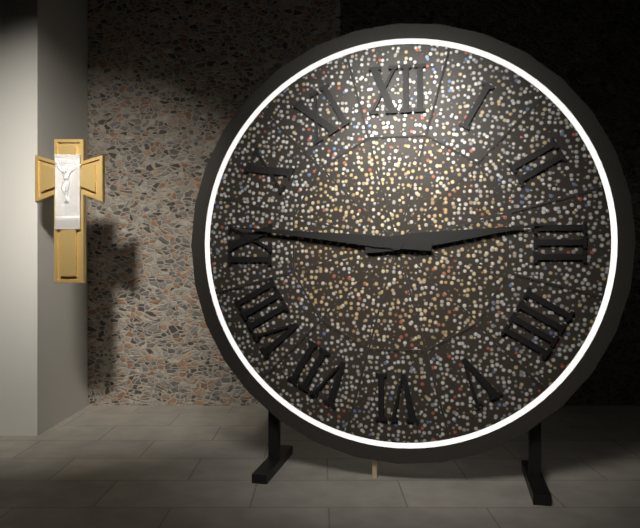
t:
2,46
